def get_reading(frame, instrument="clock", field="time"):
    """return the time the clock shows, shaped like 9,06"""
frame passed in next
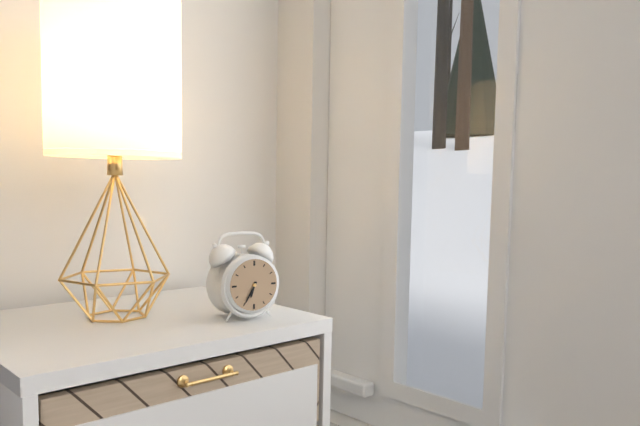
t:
6,35
